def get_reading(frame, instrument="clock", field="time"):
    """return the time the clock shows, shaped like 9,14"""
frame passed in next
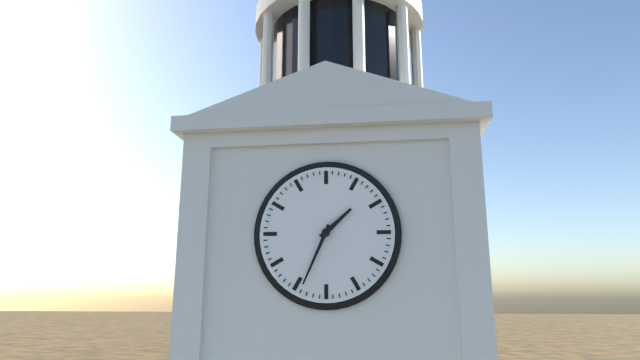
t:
1,34
